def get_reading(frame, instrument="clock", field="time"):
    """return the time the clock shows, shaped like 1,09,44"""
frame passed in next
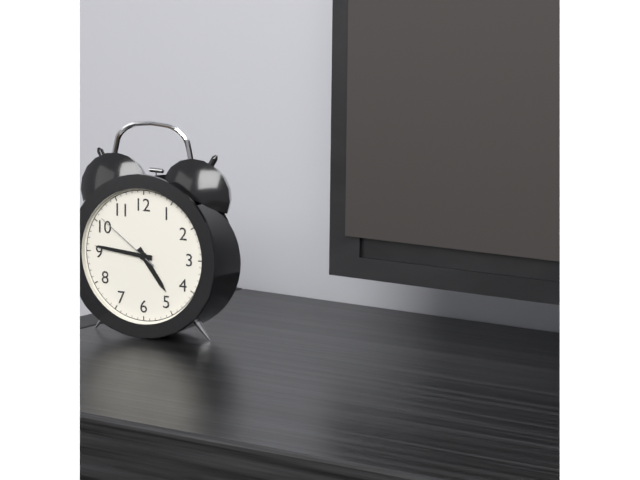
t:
4,46,51
